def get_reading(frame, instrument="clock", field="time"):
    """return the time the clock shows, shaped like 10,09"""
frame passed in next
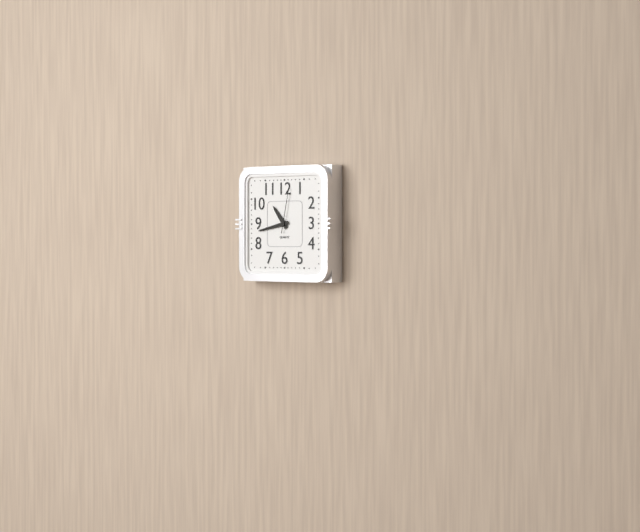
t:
10,43
